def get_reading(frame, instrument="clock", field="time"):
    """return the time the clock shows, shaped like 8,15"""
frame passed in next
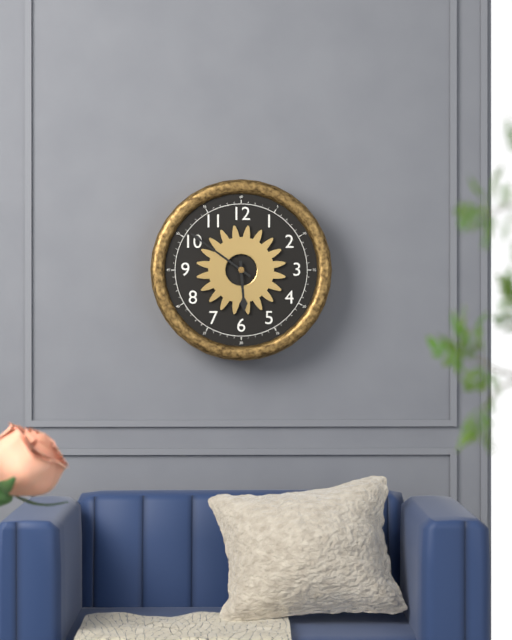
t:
5,51
